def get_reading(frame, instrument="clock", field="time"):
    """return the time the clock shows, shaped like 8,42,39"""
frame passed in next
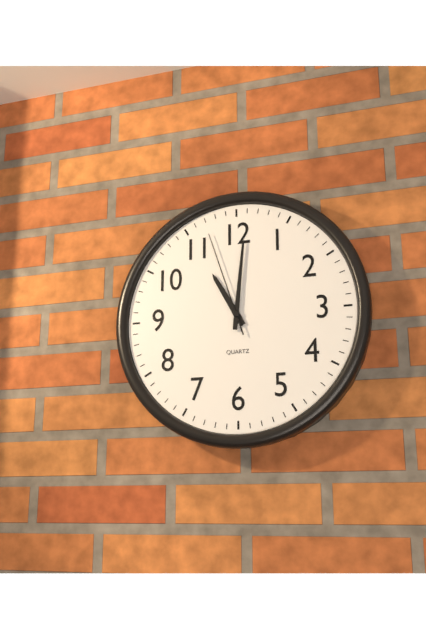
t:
11,01,57
